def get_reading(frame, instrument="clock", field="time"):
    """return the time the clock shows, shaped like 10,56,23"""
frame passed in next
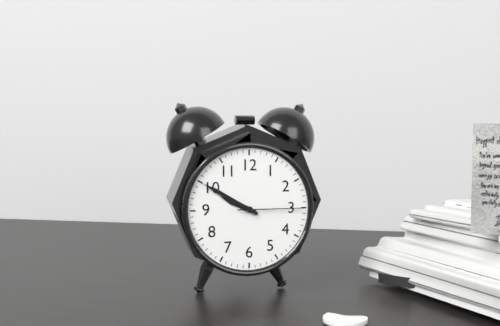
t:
9,50,15
